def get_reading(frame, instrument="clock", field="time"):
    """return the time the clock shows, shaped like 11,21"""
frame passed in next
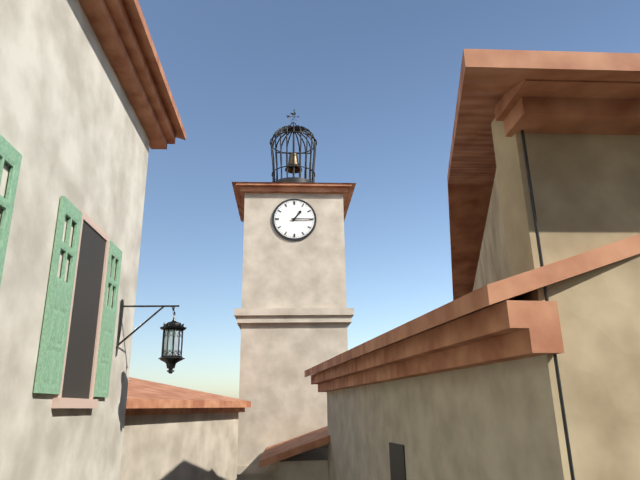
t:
1,15
